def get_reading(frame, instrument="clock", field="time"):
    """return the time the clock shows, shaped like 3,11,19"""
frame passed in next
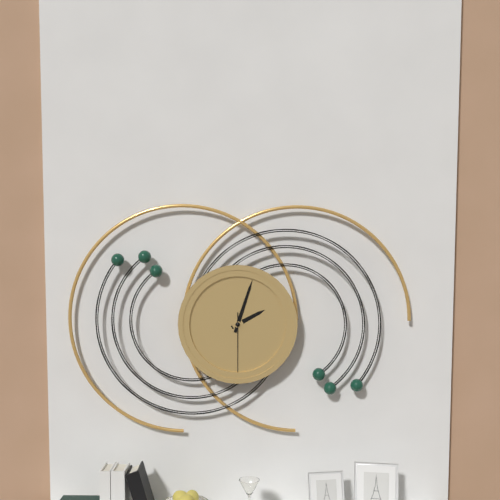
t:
2,03,30
